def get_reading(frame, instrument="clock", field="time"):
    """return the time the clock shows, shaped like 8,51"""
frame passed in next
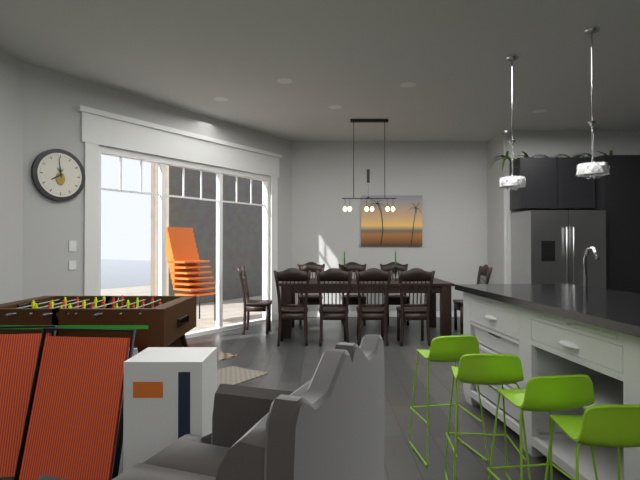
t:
7,59
